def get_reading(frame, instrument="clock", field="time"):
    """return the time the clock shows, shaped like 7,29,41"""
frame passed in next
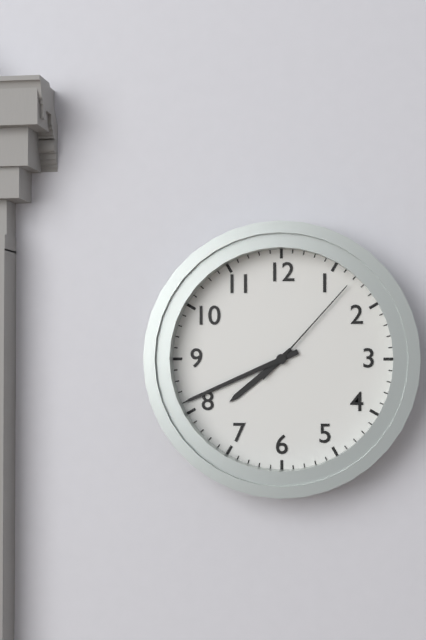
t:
7,41,07
